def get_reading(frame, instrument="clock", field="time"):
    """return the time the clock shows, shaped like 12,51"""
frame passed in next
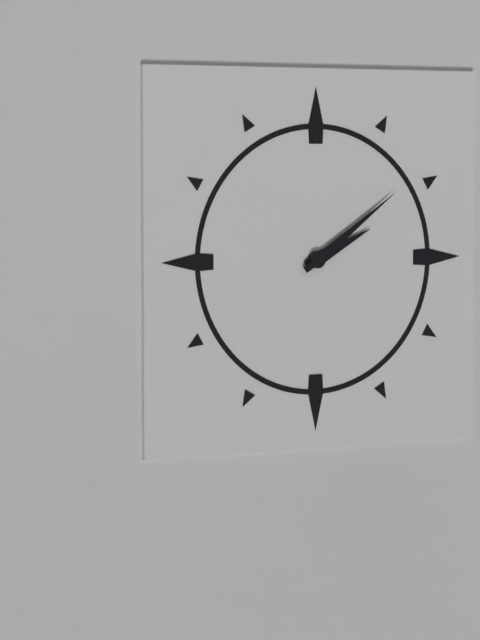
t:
2,09
